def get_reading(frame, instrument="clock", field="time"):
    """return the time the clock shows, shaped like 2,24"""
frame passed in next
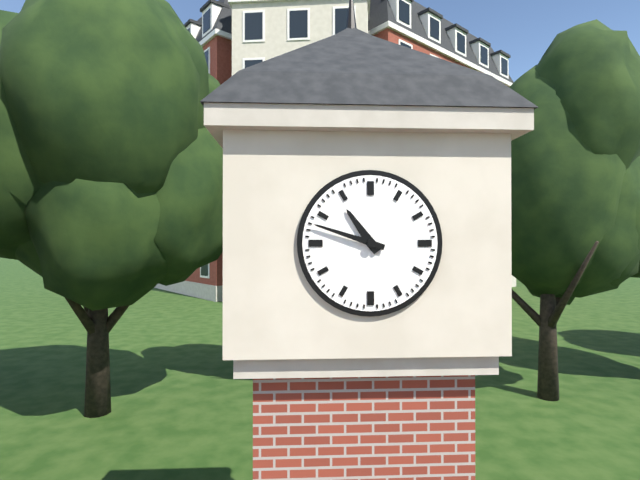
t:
10,48
